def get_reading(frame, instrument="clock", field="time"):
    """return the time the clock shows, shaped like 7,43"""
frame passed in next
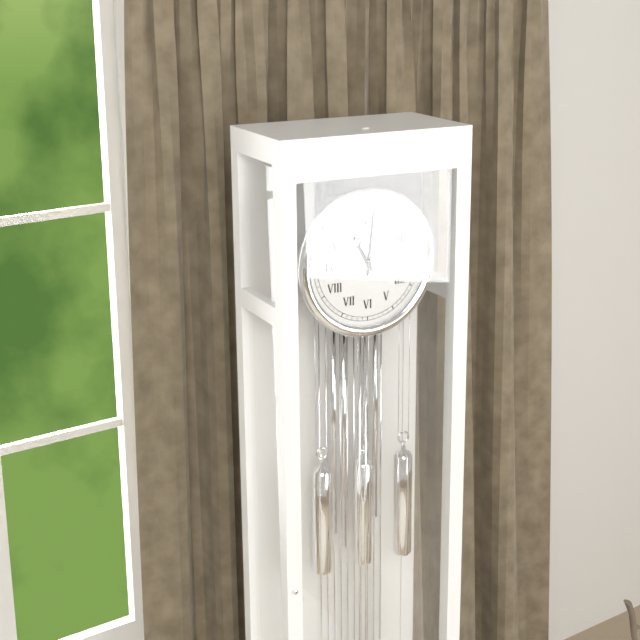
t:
11,01
